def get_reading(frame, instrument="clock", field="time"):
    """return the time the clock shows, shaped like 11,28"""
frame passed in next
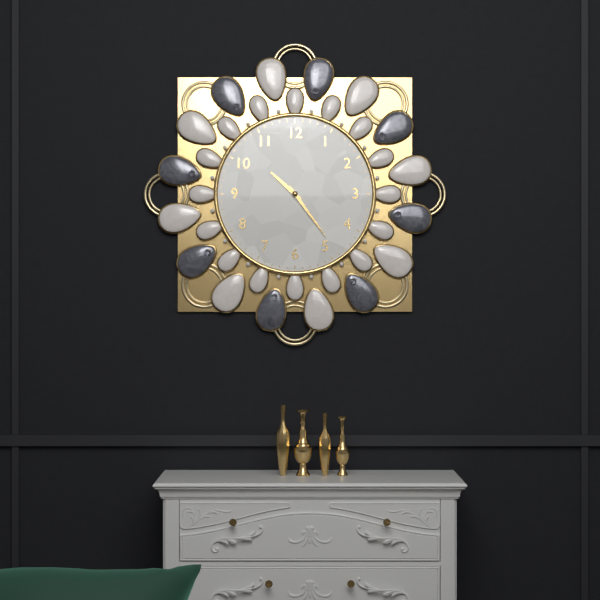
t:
10,24
